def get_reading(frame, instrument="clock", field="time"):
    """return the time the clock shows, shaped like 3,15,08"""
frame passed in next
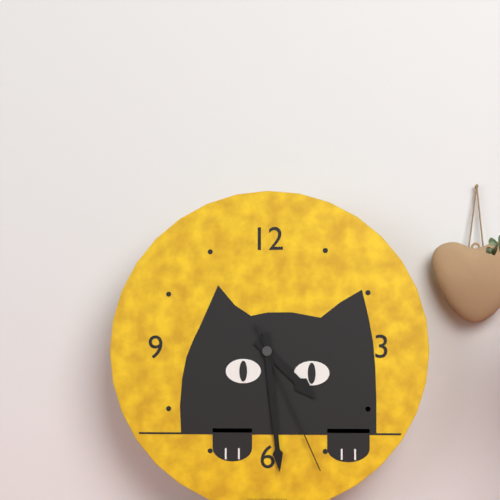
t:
4,29,26
